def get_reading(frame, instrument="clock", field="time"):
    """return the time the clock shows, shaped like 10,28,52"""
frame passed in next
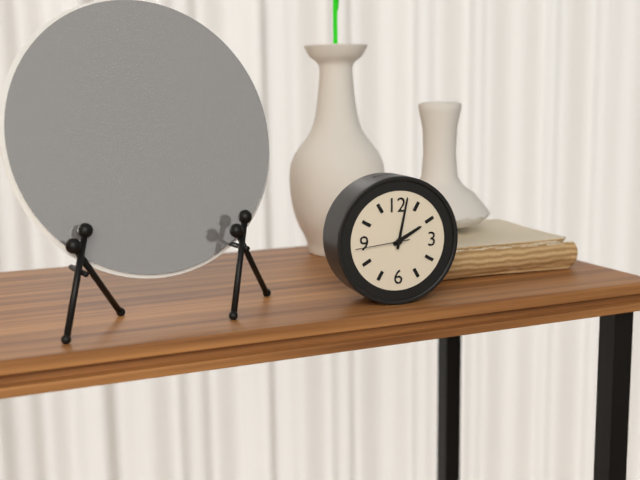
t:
2,02,44
